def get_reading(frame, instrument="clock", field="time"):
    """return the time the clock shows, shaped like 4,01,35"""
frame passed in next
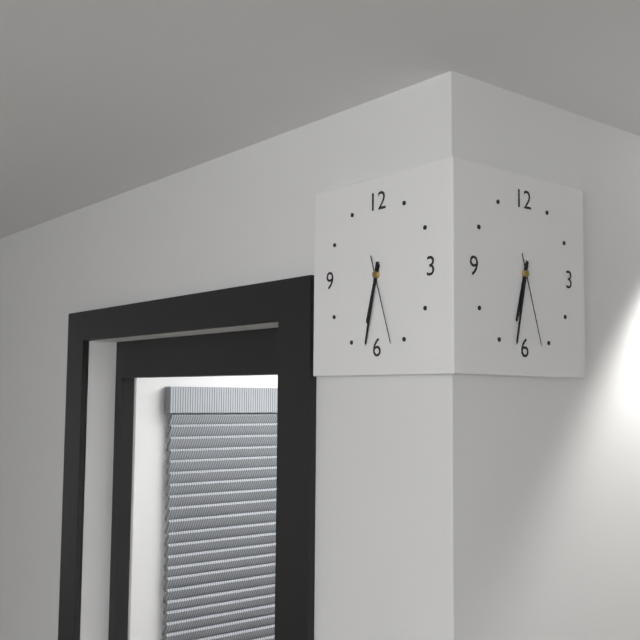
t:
6,32,27
